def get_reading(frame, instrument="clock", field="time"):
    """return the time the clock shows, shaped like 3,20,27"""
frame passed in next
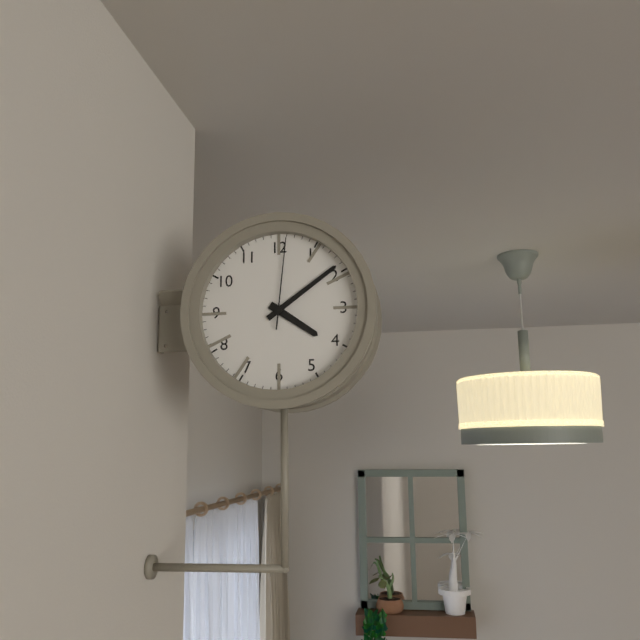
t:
4,09,01
